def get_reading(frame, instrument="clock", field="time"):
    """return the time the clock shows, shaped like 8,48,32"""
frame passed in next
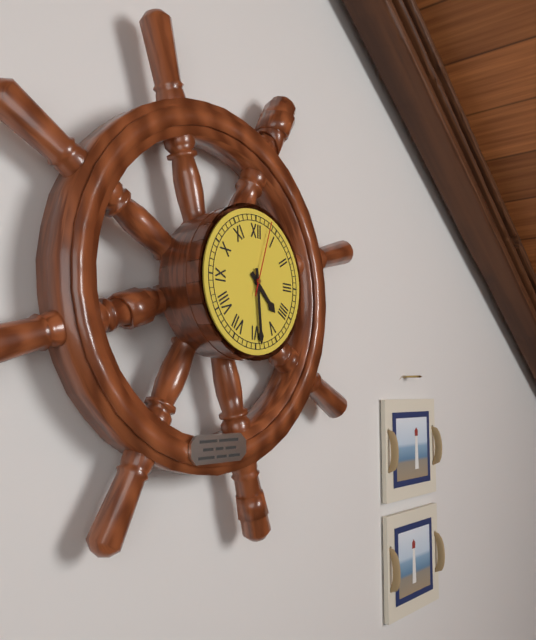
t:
4,29,03
